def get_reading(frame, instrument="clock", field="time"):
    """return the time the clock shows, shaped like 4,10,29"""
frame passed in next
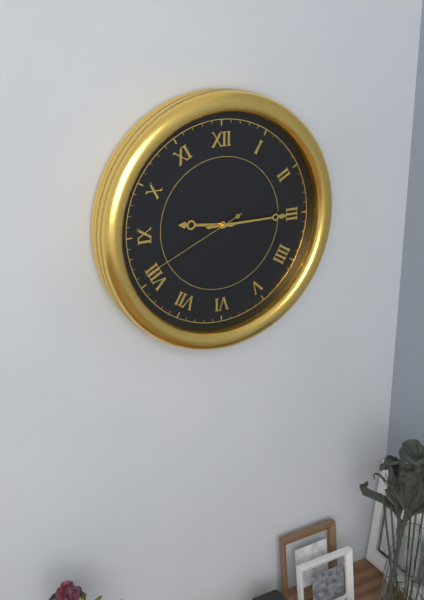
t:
9,15,41
